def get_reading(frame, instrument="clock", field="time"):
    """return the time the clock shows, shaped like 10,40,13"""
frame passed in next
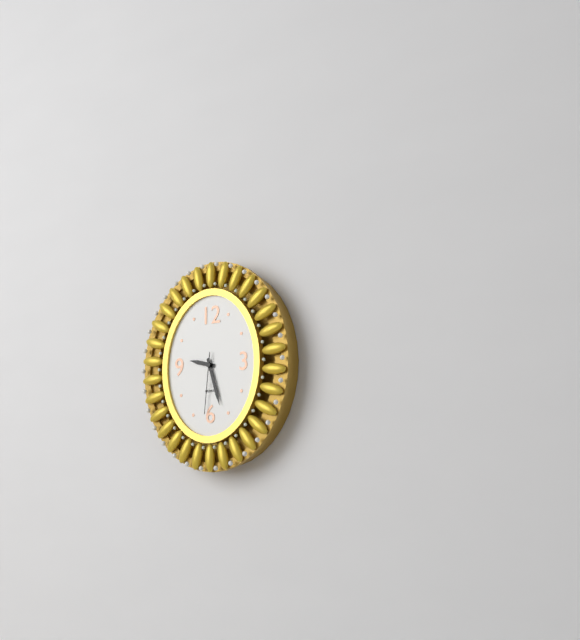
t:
9,27,31
